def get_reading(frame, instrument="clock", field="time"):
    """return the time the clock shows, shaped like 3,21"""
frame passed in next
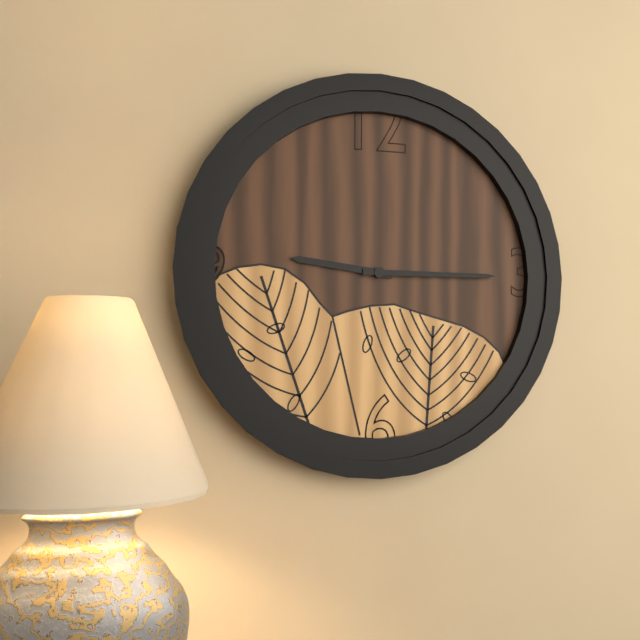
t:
9,15
